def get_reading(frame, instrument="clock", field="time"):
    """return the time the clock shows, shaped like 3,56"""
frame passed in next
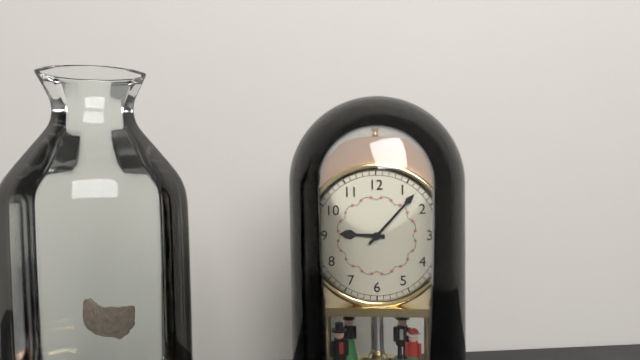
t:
9,07
